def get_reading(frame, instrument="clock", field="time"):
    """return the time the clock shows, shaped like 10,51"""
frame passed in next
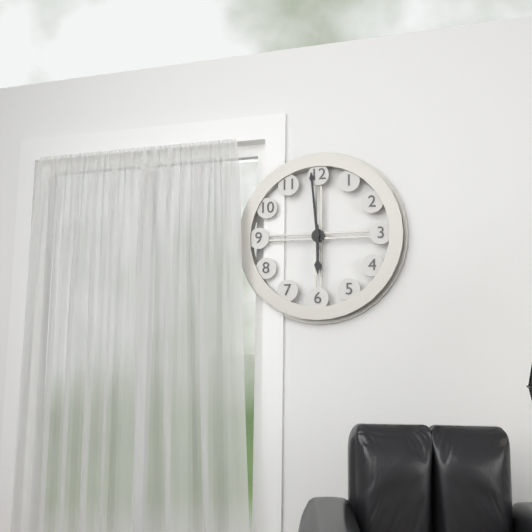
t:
5,59
